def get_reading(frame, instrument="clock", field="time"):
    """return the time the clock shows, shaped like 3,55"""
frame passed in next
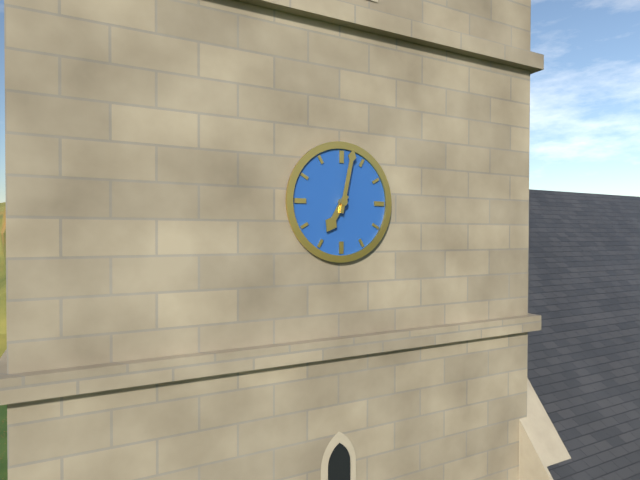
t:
7,02
